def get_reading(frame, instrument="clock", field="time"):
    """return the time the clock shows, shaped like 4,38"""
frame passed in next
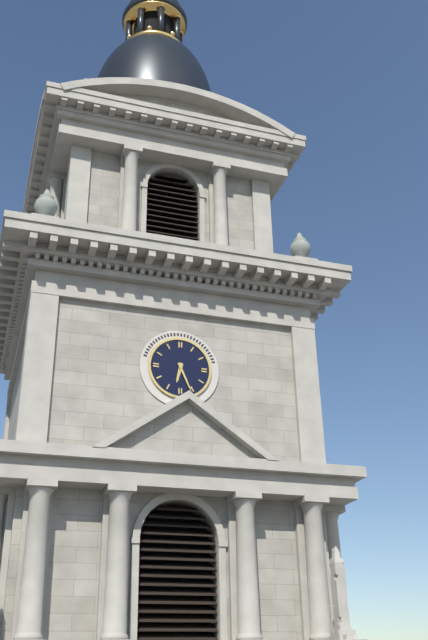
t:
6,26
